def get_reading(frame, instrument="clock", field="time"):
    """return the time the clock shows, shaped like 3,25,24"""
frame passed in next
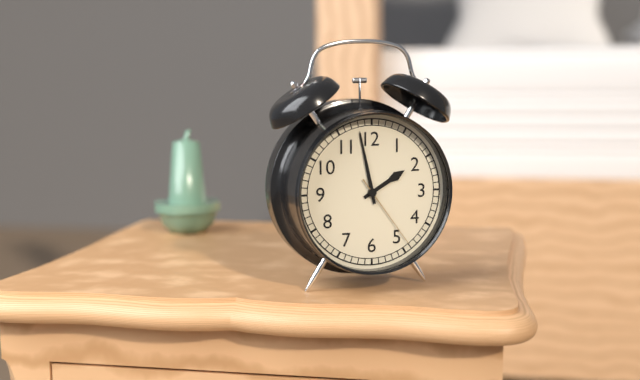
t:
1,58,24
